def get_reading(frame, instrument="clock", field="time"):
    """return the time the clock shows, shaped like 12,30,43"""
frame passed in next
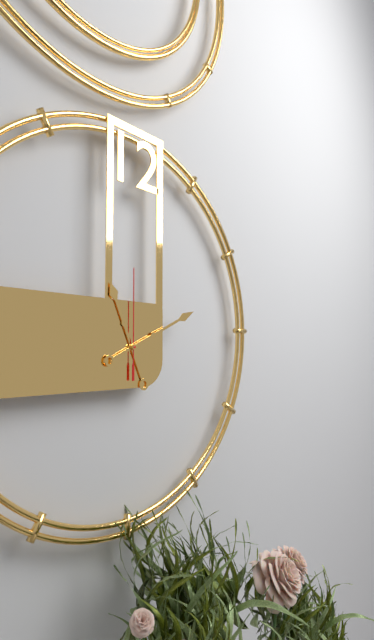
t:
11,11,00
